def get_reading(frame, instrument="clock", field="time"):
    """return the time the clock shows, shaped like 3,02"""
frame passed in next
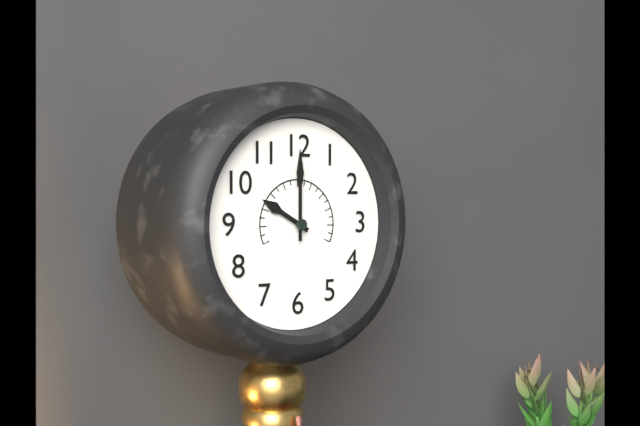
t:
10,00
